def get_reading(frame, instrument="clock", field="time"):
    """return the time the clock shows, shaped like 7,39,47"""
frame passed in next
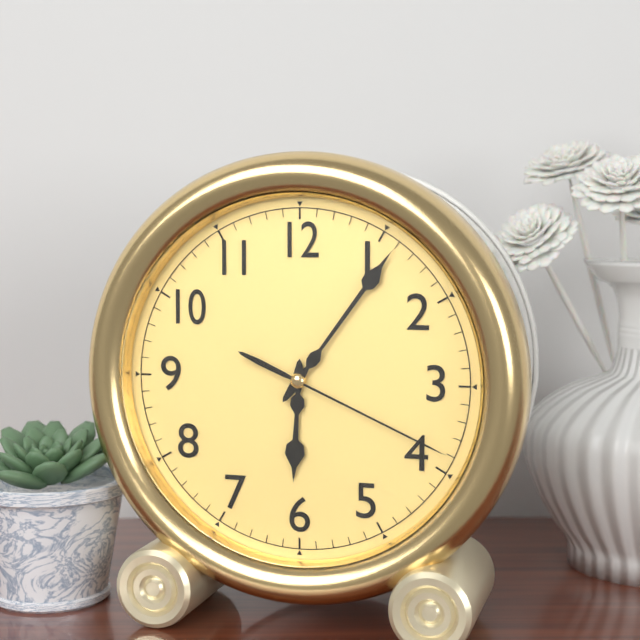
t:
6,06,19
